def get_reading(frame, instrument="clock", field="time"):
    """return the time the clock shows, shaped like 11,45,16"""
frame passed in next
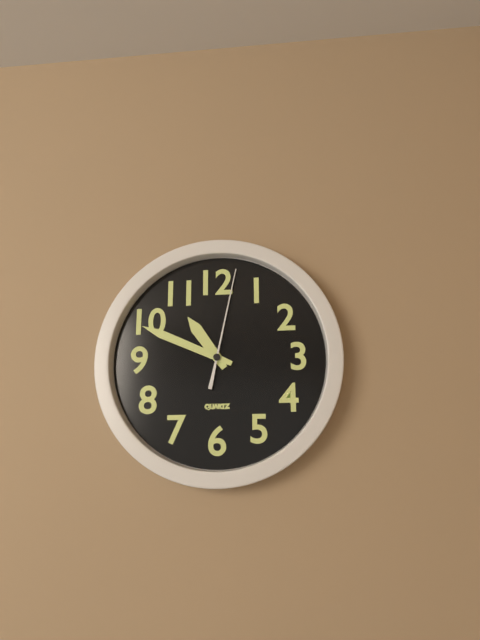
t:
10,49,02
